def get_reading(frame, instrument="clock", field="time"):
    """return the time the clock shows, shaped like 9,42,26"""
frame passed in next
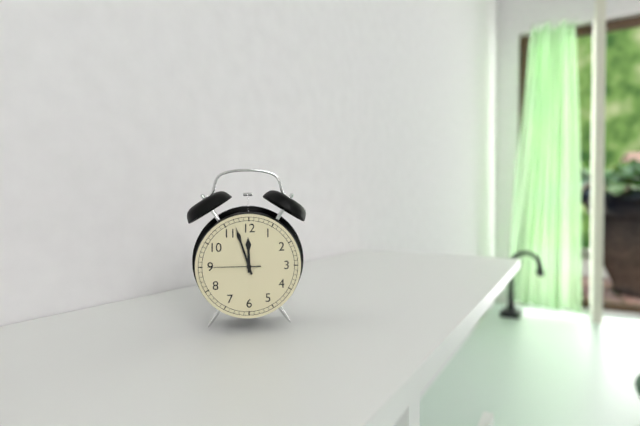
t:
11,57,45
